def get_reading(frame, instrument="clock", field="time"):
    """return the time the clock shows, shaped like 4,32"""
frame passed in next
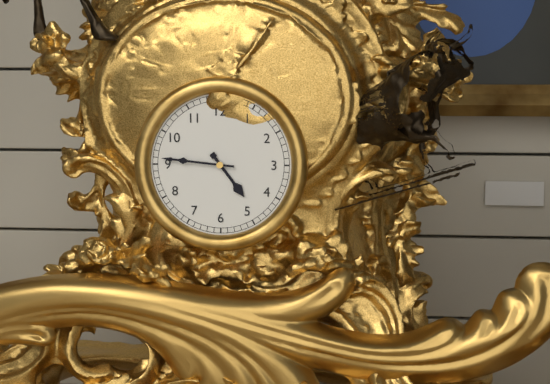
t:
4,46
